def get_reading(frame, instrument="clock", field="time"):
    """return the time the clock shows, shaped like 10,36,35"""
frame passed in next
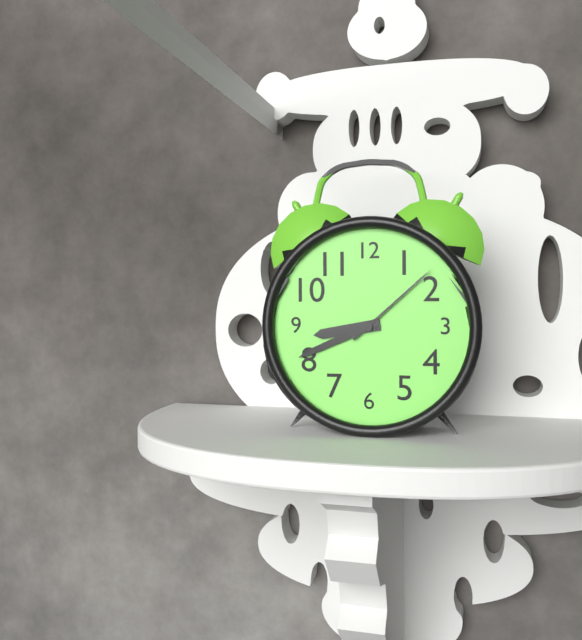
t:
8,41,08
